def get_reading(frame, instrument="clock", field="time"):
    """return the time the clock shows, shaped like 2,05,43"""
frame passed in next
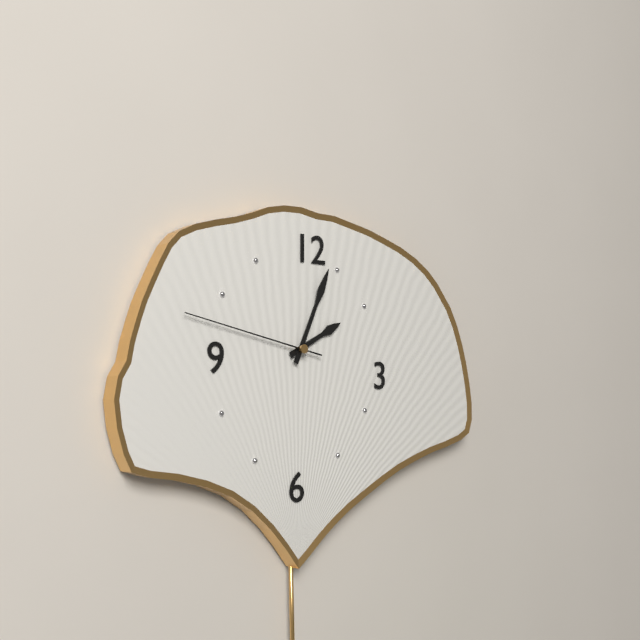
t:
2,04,47
